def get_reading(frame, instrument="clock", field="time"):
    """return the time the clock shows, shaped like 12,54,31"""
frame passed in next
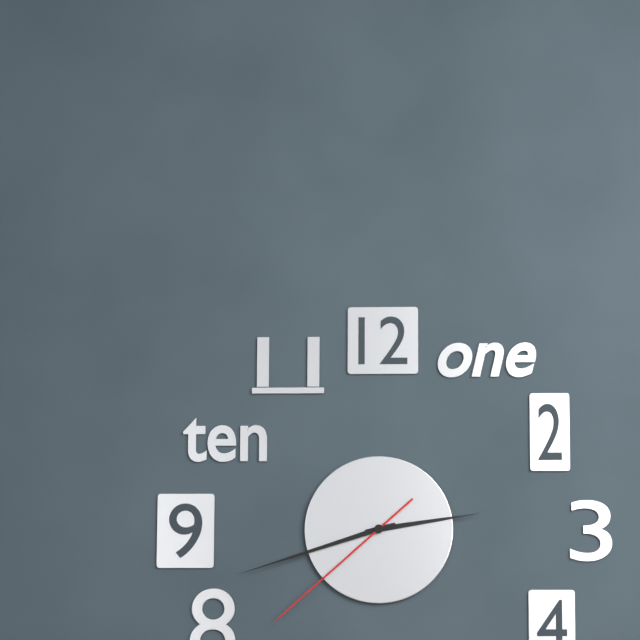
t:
2,42,38
